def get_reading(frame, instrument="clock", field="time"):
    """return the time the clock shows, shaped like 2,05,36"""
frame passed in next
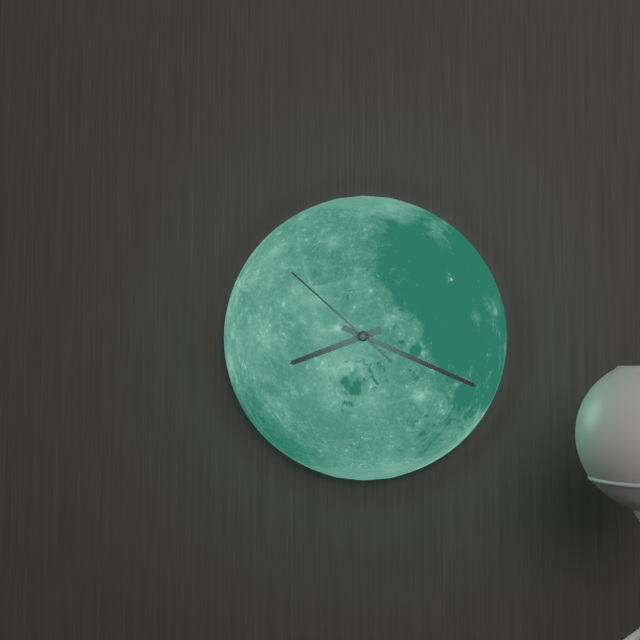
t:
8,19,52
